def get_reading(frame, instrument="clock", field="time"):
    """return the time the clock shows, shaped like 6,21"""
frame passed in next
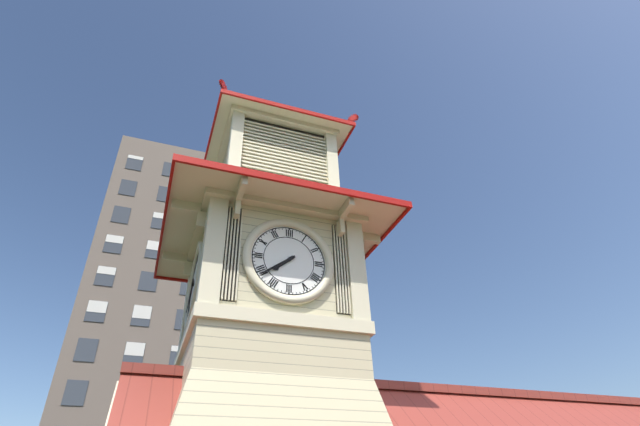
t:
7,39
